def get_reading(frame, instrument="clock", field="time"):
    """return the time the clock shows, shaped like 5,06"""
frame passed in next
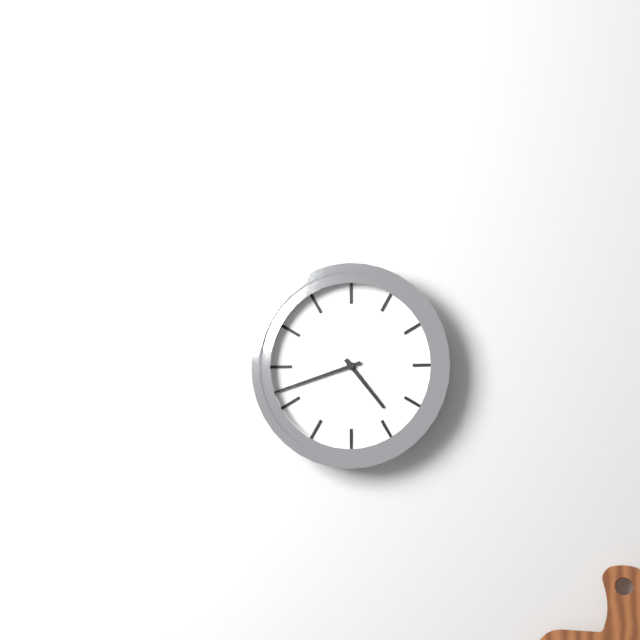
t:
4,42
